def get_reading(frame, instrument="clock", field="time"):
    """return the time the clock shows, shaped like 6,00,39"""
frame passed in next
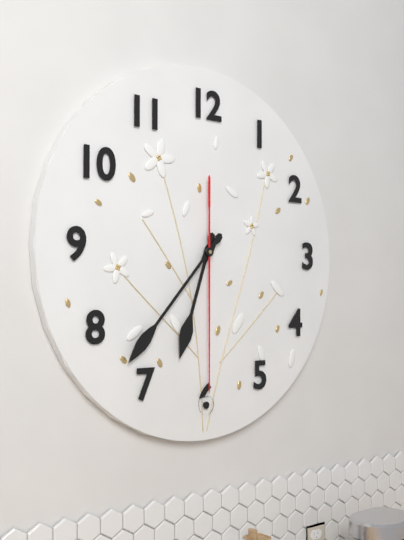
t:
6,37,30
